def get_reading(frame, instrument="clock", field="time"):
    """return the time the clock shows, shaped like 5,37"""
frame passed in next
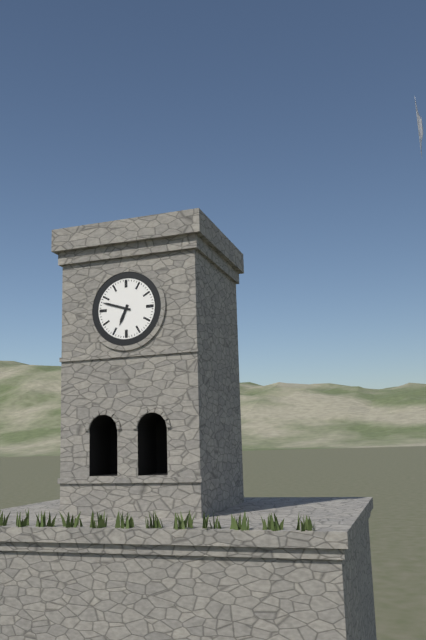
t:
6,48
